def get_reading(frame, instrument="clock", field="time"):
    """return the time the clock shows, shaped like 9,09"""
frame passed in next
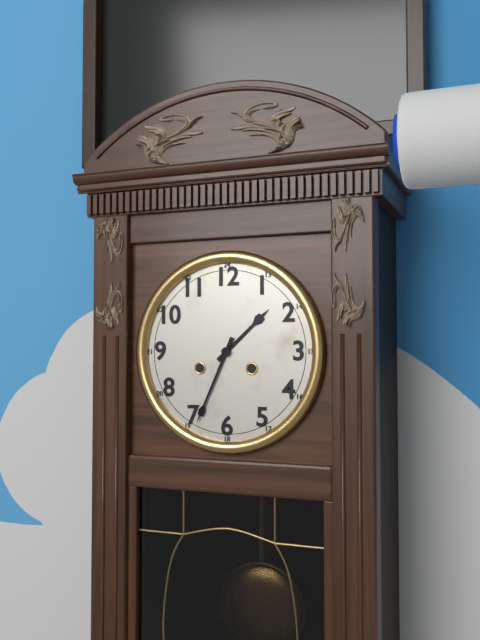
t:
1,34
